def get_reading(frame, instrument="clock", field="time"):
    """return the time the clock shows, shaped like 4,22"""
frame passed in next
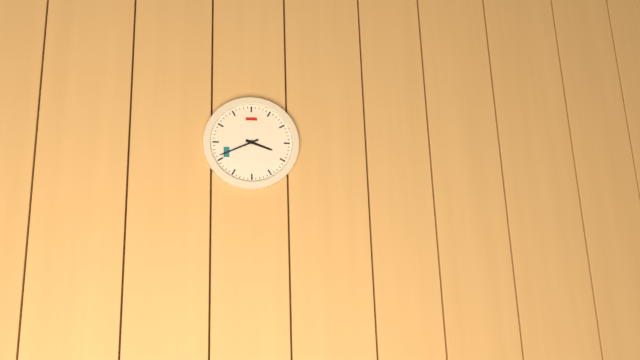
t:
3,41
